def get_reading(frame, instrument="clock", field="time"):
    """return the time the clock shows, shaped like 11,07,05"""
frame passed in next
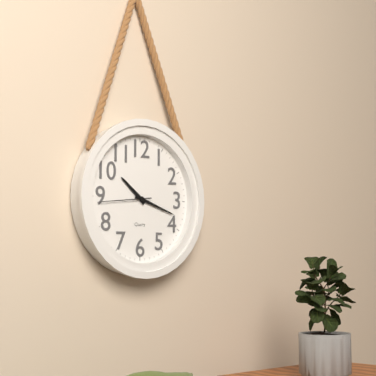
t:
10,18,44
